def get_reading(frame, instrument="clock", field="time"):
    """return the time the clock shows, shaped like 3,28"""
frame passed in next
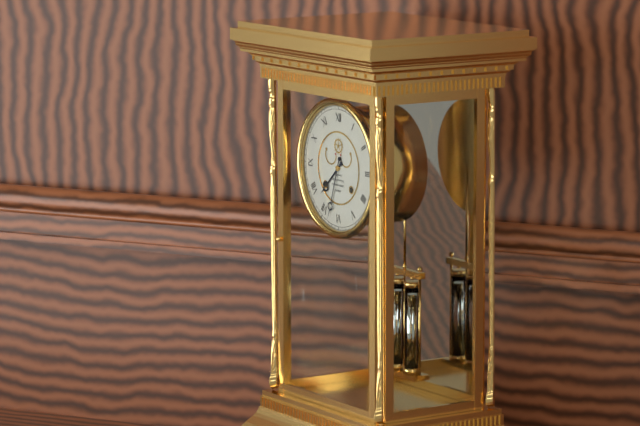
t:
7,33
